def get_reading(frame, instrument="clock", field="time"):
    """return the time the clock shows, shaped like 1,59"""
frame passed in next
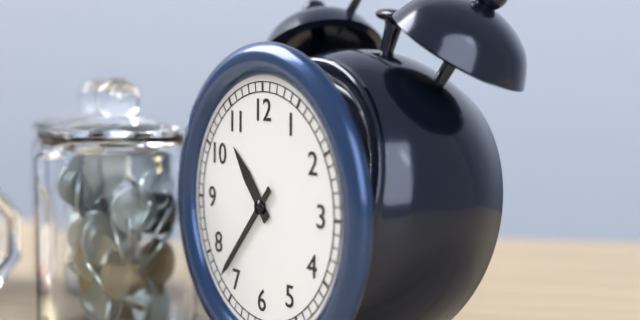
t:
10,37
